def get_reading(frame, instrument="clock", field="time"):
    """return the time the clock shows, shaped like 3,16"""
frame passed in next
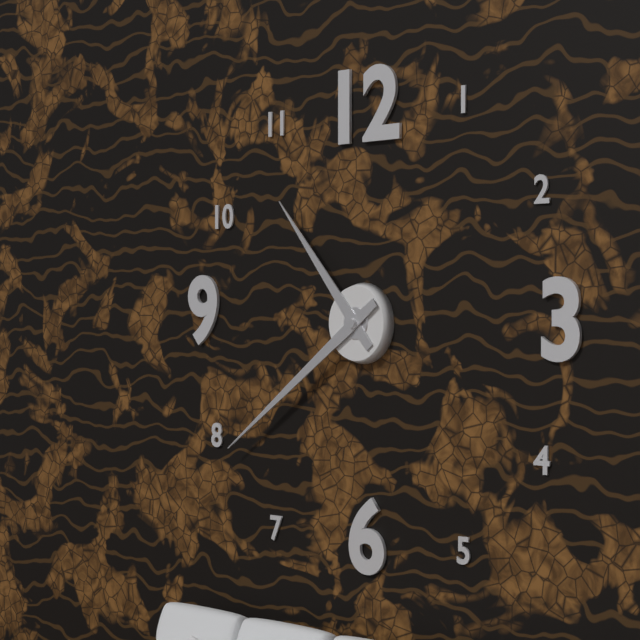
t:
10,39
